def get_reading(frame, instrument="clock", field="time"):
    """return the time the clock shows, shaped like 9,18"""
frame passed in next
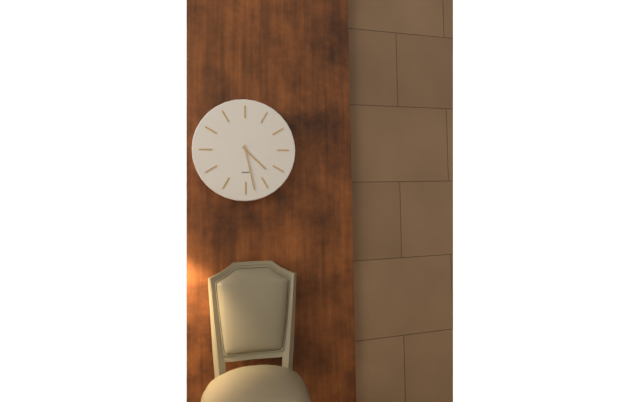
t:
4,28
